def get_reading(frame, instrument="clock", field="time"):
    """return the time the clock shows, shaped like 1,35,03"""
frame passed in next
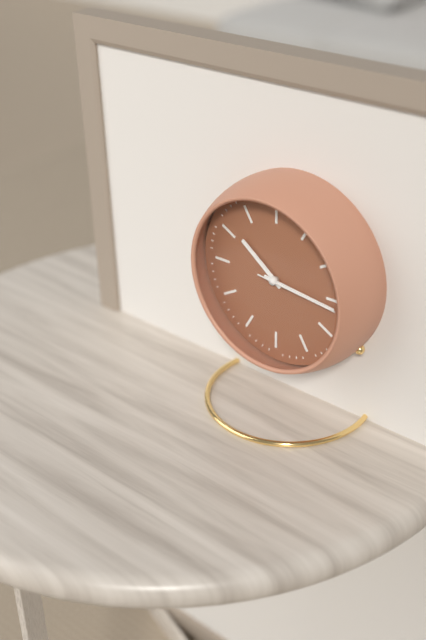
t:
10,16,16
